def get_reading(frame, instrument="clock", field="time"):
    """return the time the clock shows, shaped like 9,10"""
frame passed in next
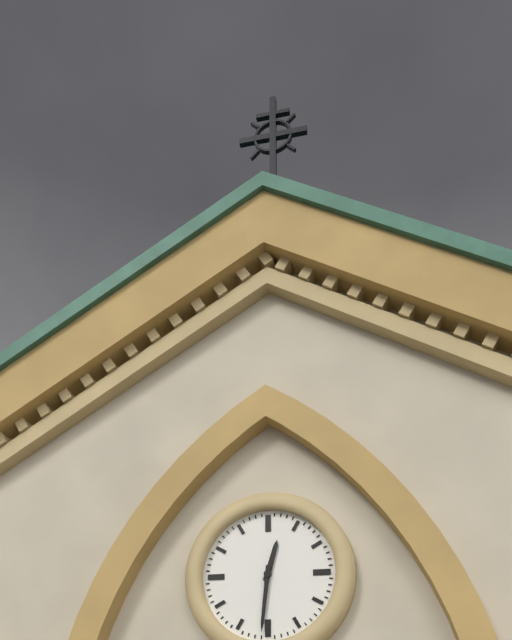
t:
12,31
